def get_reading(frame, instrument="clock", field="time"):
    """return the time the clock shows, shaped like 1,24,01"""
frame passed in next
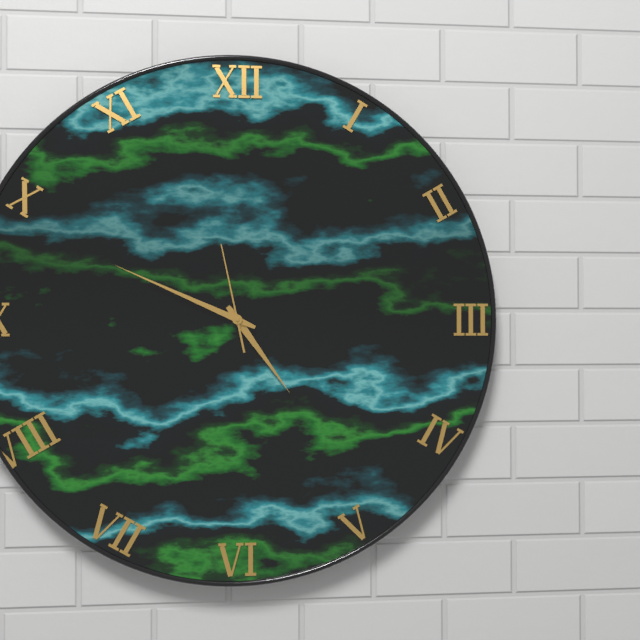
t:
4,49,58
